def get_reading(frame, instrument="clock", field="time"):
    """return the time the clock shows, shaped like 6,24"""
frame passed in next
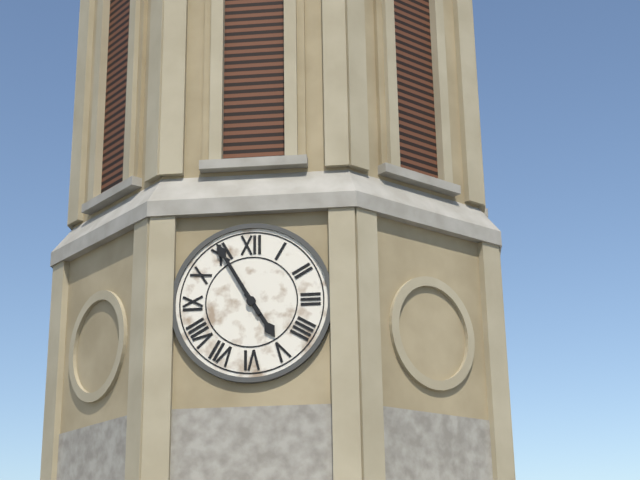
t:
4,55
